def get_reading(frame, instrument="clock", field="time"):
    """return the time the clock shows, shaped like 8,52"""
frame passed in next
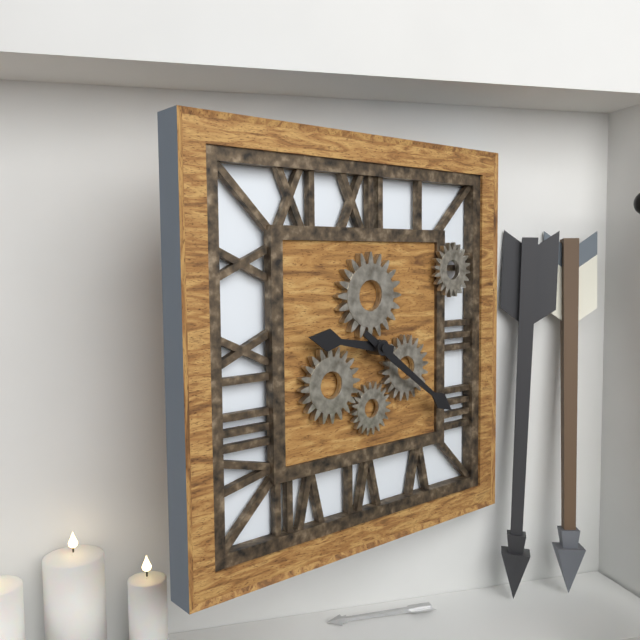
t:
9,21
